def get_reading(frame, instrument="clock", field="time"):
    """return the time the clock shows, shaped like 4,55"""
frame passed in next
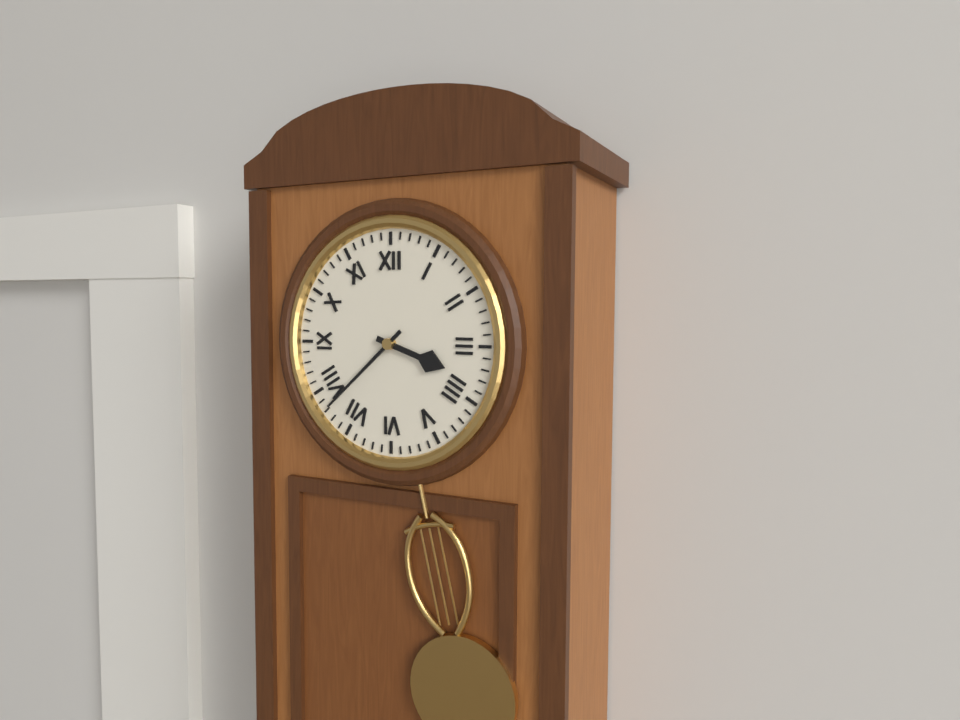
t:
3,38
